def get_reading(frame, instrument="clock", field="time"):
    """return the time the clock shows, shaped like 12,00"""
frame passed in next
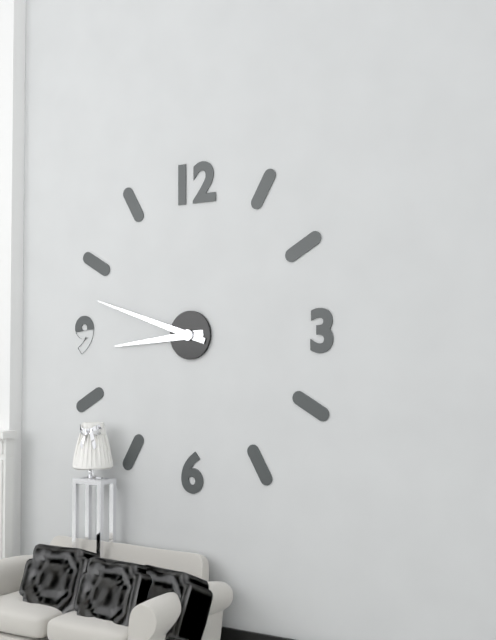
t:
8,48
